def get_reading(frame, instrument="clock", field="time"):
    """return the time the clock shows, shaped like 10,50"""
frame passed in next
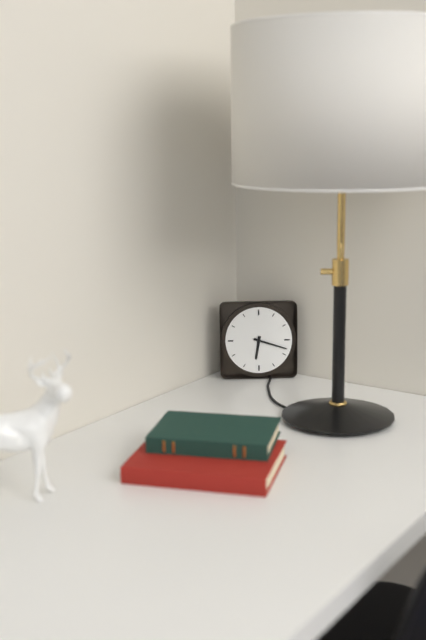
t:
6,18
